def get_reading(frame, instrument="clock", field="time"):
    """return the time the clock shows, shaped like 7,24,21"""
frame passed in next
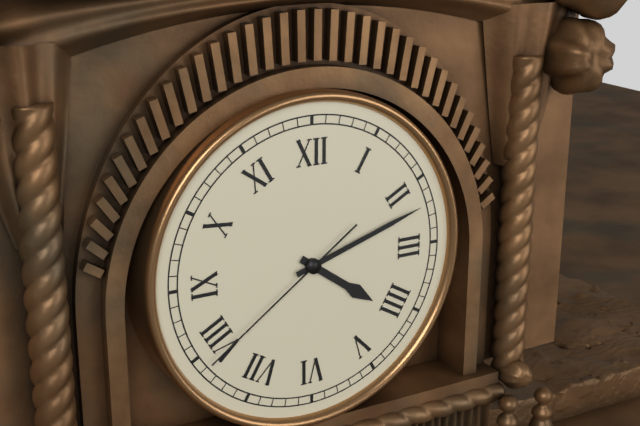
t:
4,12,39
